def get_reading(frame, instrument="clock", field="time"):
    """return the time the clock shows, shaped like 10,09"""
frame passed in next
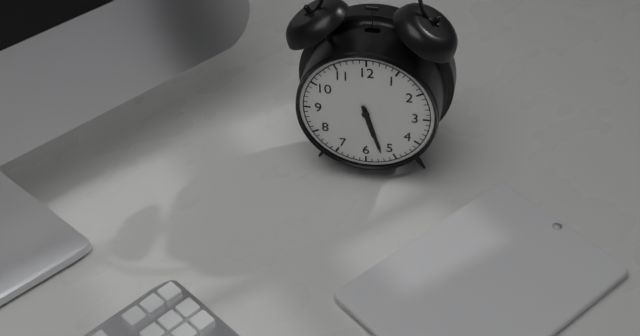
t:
5,27
